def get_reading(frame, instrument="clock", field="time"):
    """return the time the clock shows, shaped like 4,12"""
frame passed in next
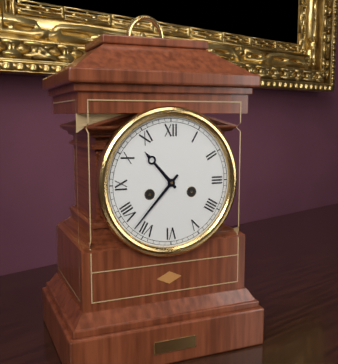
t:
10,37
